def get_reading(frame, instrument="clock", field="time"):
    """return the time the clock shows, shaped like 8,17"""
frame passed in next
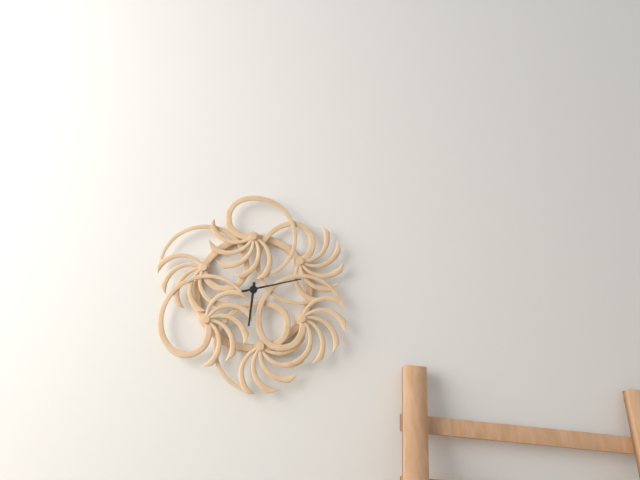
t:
6,13
